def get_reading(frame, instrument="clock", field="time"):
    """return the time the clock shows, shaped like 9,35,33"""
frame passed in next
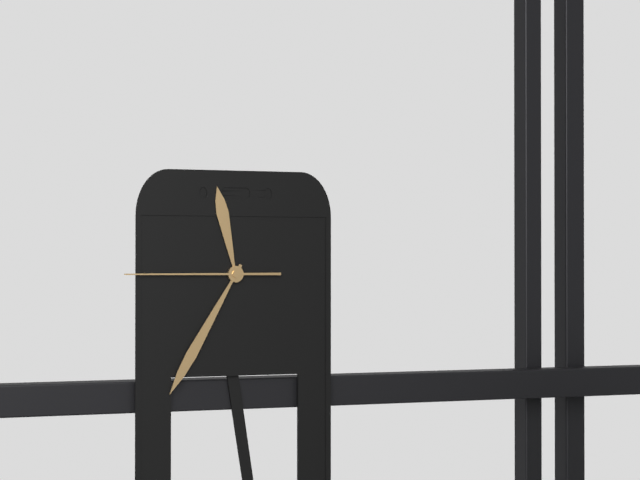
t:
11,35,45
